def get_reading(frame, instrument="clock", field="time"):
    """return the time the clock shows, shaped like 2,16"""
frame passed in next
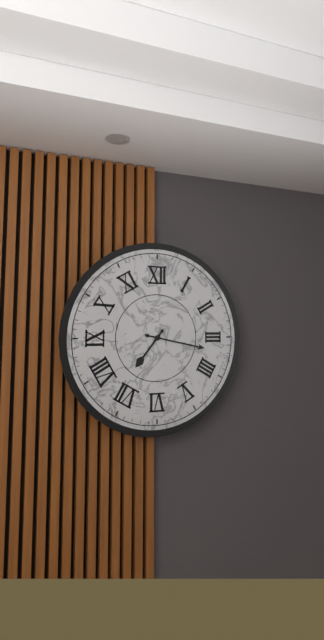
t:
7,17
